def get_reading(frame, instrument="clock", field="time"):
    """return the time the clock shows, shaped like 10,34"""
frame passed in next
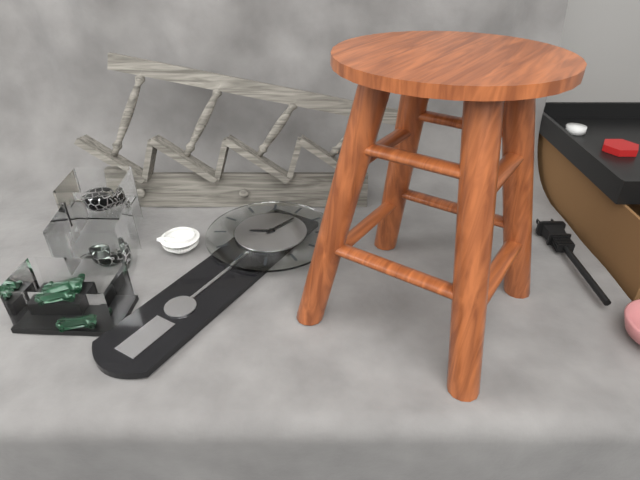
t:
8,02
